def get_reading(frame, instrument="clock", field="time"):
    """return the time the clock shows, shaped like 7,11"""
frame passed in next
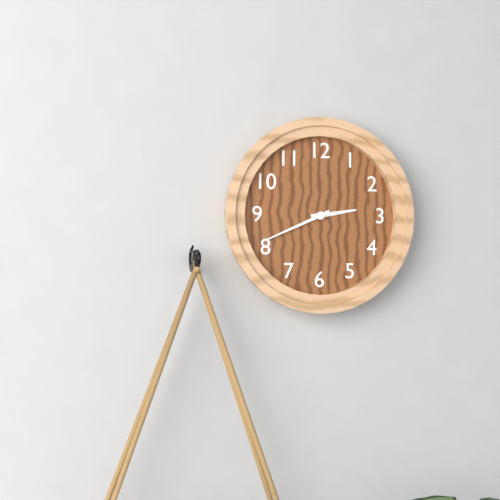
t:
2,41
